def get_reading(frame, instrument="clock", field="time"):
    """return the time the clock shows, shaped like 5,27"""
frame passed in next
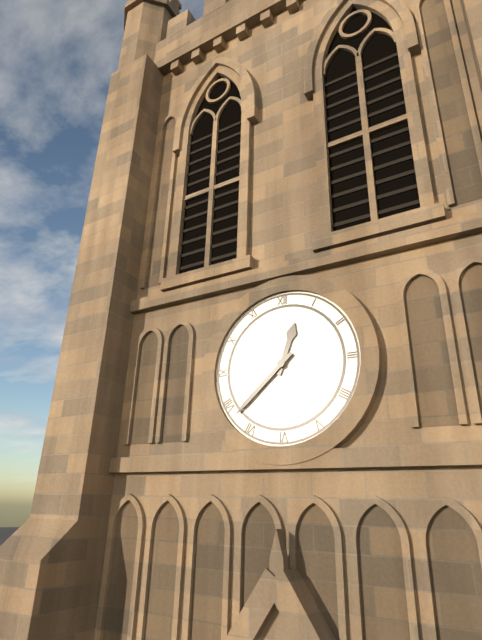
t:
12,38
